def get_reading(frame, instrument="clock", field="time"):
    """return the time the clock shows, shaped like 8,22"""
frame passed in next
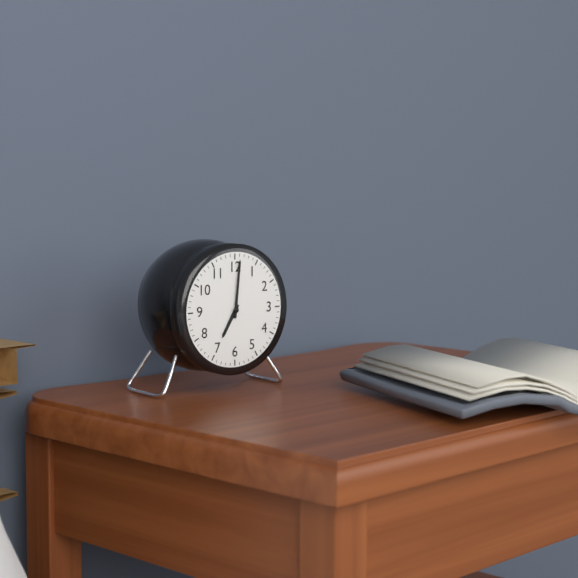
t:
7,01
